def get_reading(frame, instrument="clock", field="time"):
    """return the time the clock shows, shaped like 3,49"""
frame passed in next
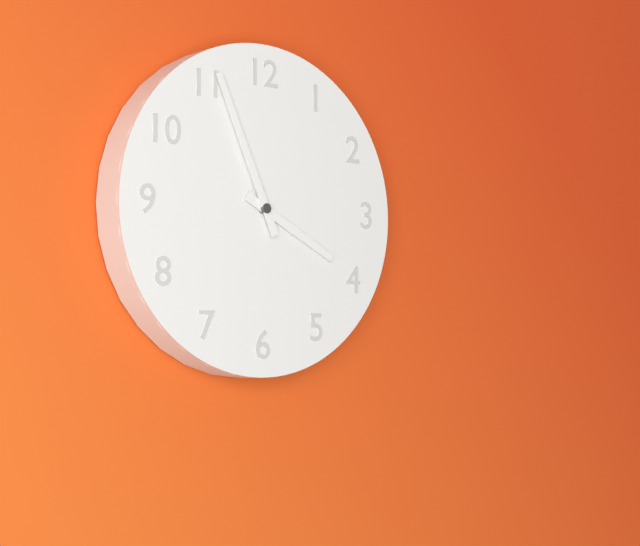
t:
3,56
